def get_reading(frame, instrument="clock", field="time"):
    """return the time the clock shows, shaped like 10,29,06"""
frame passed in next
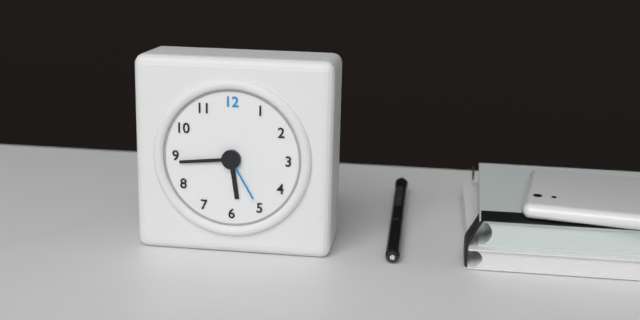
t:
5,44,25
